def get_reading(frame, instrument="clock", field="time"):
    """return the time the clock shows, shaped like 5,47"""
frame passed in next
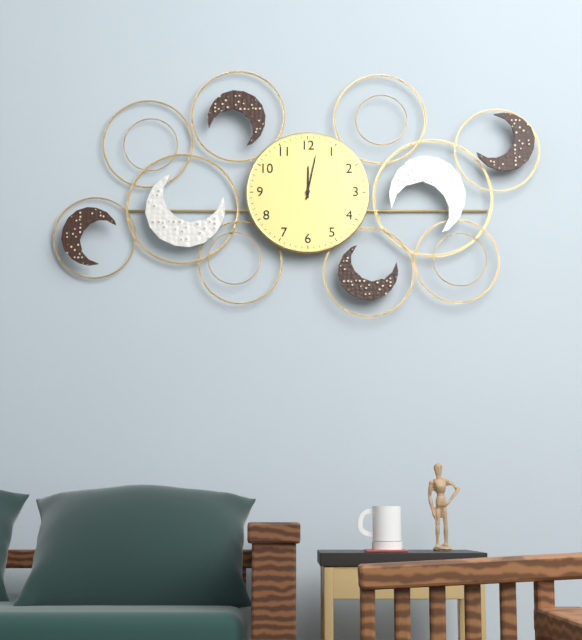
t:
12,02
